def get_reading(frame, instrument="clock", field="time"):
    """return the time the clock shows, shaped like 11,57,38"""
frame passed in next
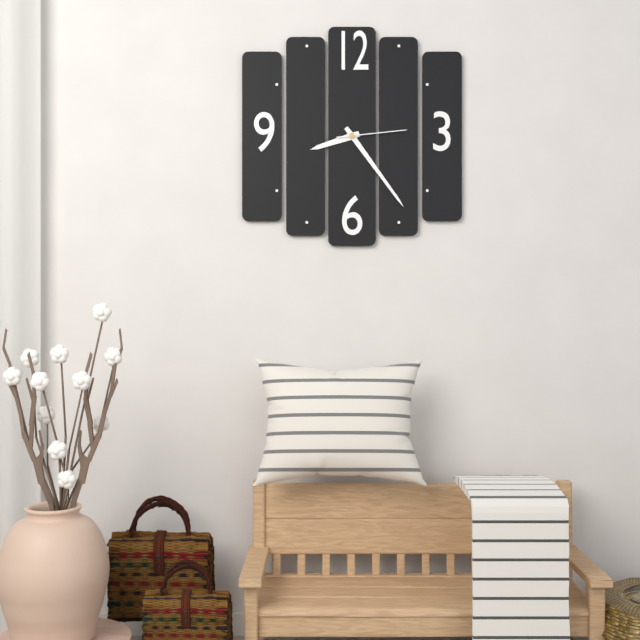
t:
8,24,14
